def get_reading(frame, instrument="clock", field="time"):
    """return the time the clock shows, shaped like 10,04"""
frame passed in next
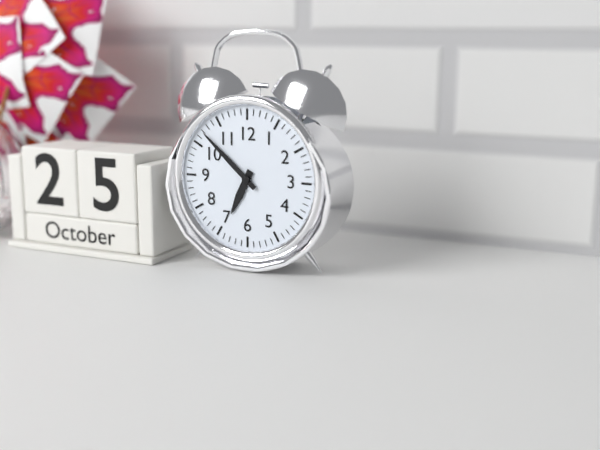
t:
6,52
